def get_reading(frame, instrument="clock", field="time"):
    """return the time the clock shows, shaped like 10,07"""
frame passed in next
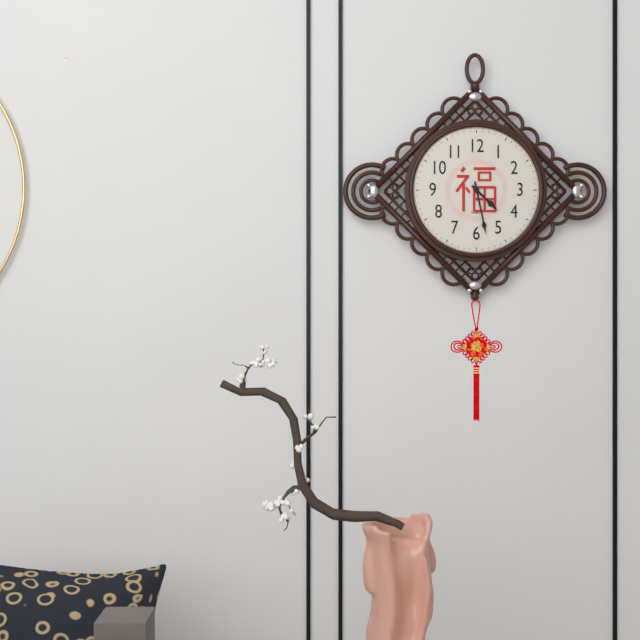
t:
4,28
